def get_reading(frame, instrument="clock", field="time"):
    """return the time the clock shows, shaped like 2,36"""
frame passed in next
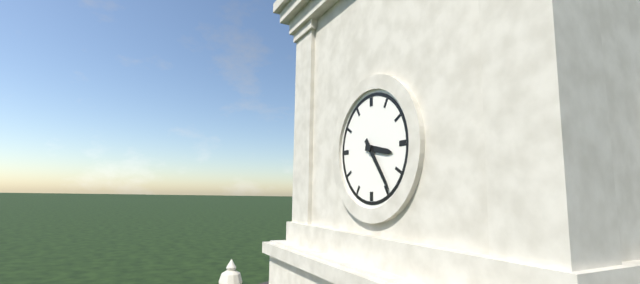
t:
3,24
